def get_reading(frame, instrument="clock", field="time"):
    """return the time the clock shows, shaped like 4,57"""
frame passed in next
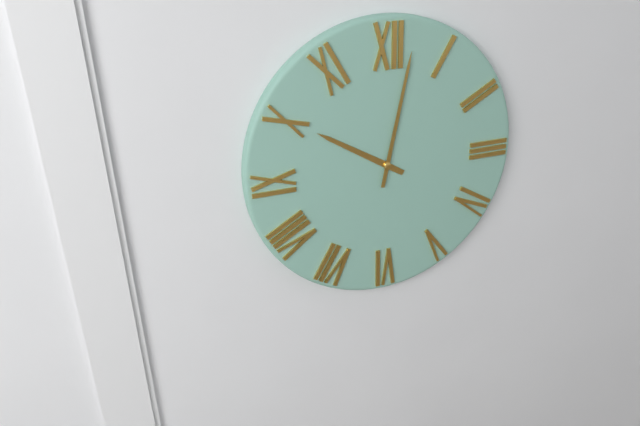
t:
10,02
